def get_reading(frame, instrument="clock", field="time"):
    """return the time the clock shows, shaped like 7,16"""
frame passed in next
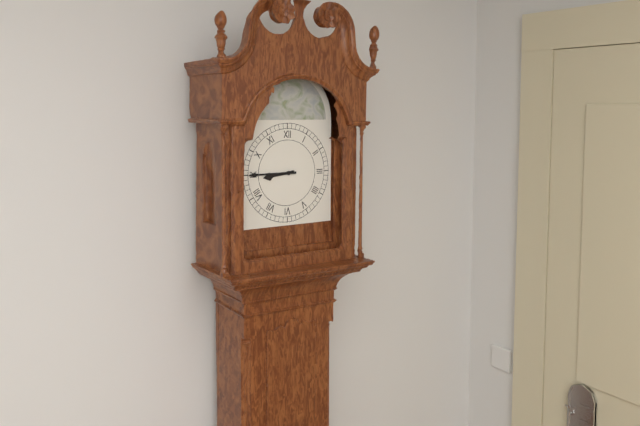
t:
8,45
